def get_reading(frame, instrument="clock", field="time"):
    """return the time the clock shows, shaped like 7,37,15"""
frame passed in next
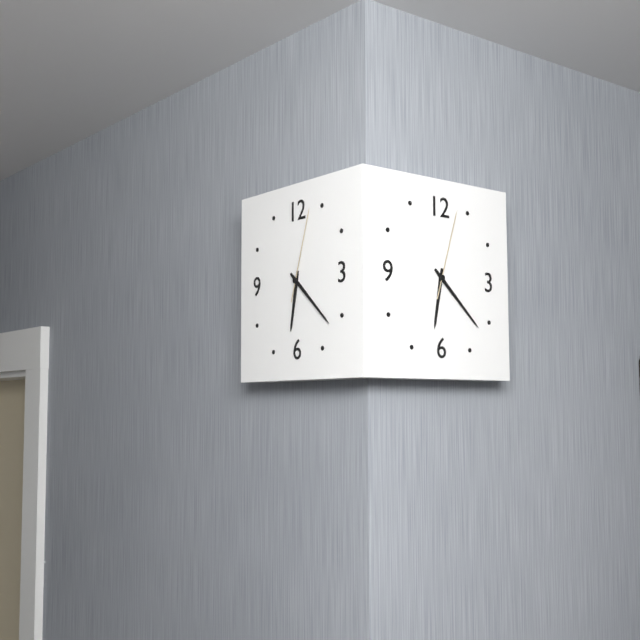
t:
6,22,03
